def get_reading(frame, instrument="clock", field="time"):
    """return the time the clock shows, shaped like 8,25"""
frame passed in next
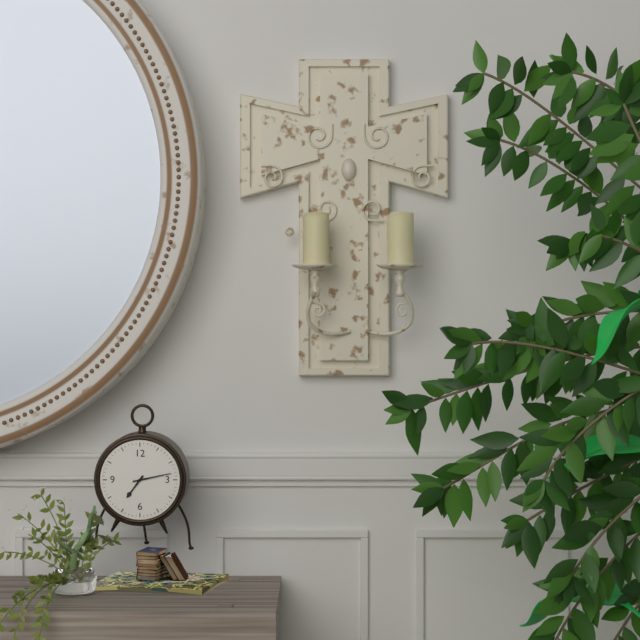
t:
7,13
